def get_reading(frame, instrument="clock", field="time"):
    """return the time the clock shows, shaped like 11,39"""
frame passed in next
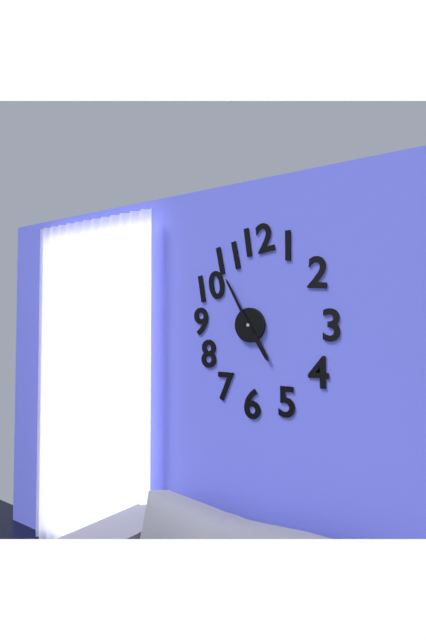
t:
4,55
